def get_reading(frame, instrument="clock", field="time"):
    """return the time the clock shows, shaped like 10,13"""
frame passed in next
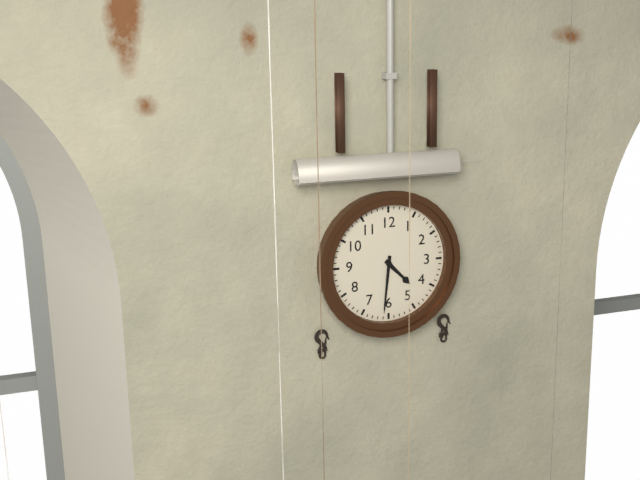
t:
4,31
